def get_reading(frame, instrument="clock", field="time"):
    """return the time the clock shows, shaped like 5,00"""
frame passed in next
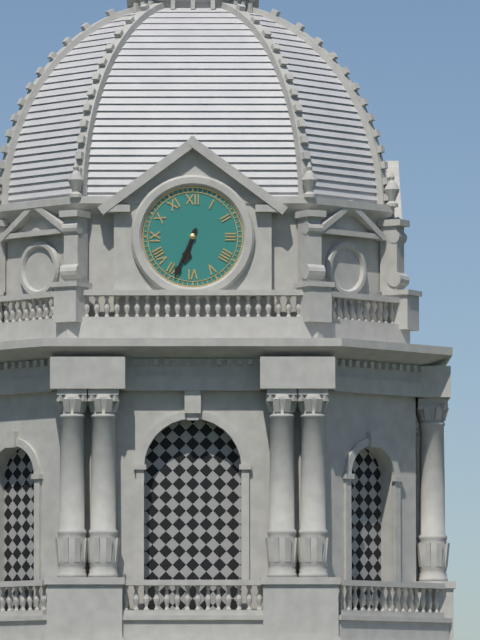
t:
6,34
